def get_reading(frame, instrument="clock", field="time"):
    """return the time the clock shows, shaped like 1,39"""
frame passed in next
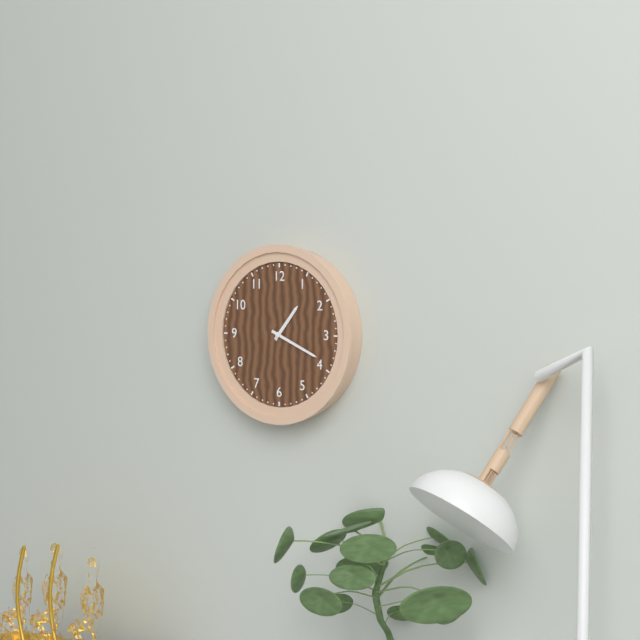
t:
1,19
